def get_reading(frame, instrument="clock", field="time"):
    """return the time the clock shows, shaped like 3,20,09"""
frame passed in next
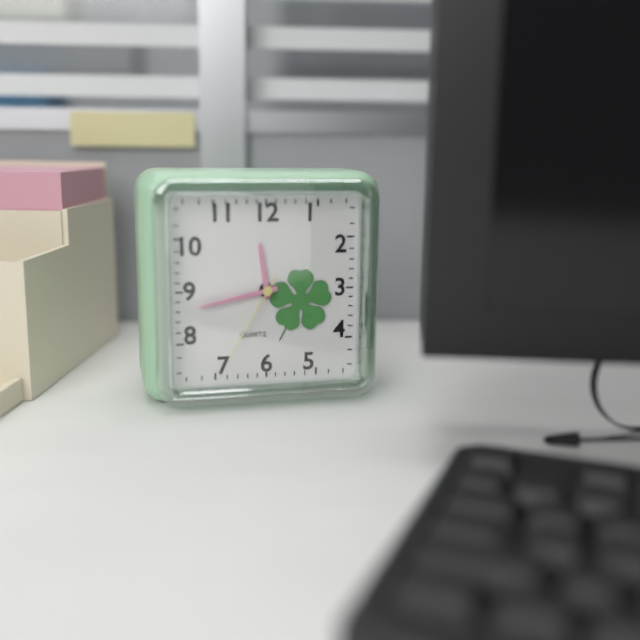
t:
11,43,35
